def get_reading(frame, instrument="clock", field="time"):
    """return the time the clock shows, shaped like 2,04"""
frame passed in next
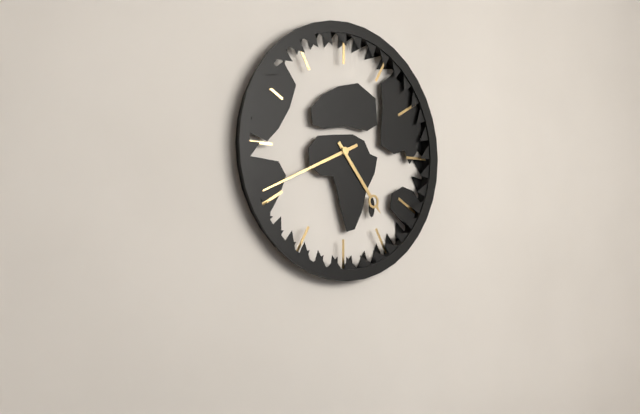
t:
4,41
